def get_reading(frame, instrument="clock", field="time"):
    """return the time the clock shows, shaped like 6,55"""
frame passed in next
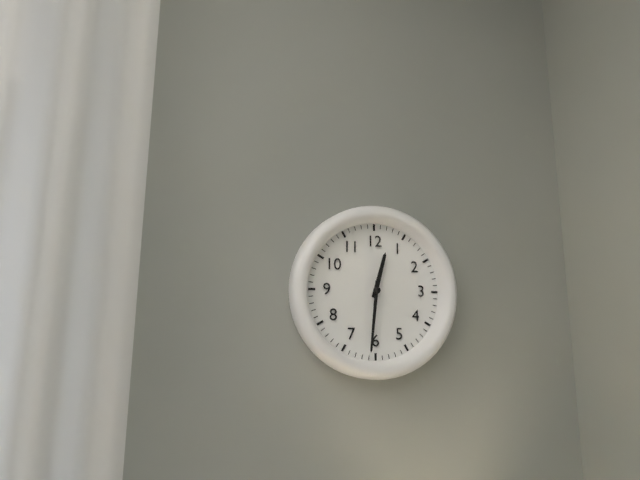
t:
12,31
